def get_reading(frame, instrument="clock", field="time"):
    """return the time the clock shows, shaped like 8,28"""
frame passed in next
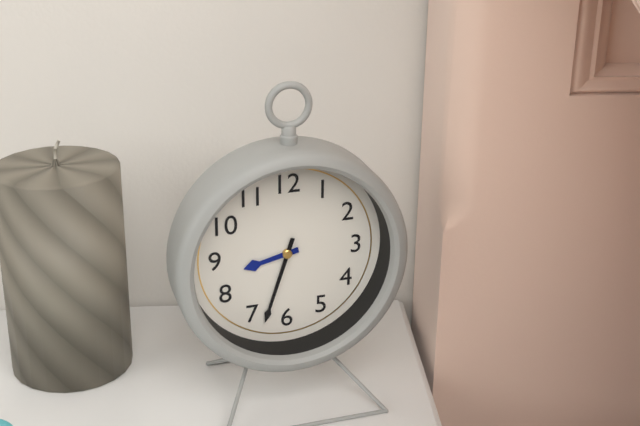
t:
8,33
